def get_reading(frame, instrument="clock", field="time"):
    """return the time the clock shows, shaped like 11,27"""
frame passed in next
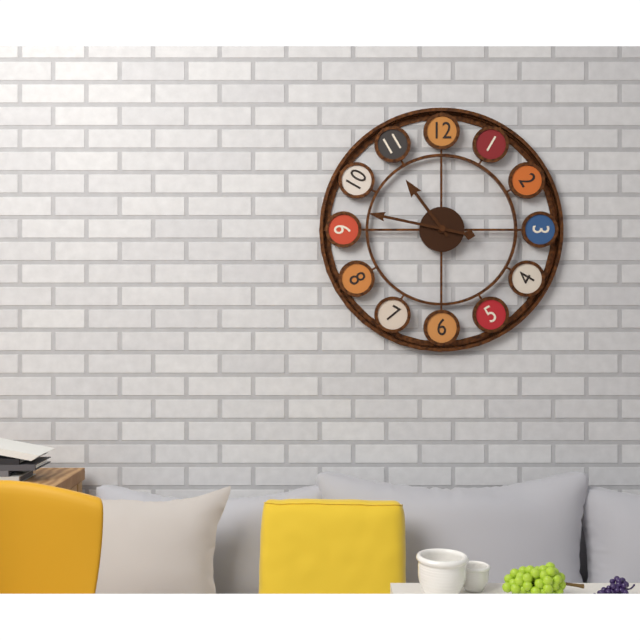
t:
10,47
